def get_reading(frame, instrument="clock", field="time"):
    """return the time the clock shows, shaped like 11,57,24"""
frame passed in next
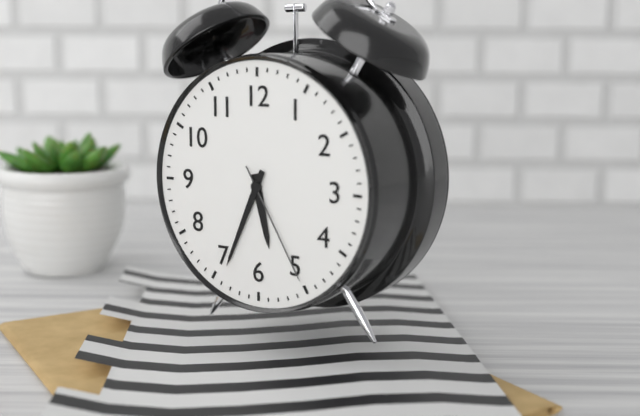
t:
5,34,25
